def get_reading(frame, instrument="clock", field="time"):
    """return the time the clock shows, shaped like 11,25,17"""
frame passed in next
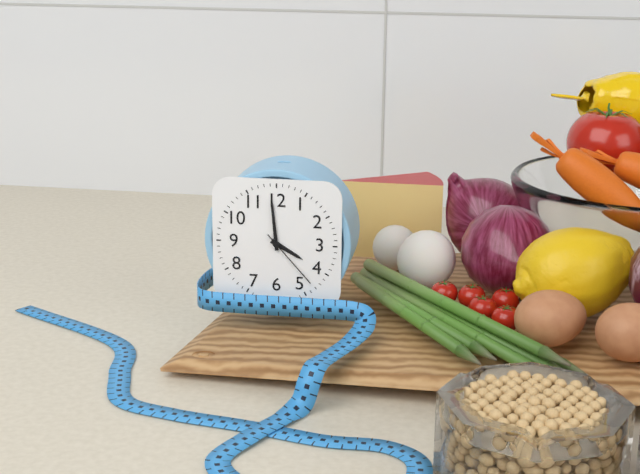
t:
3,59,23
